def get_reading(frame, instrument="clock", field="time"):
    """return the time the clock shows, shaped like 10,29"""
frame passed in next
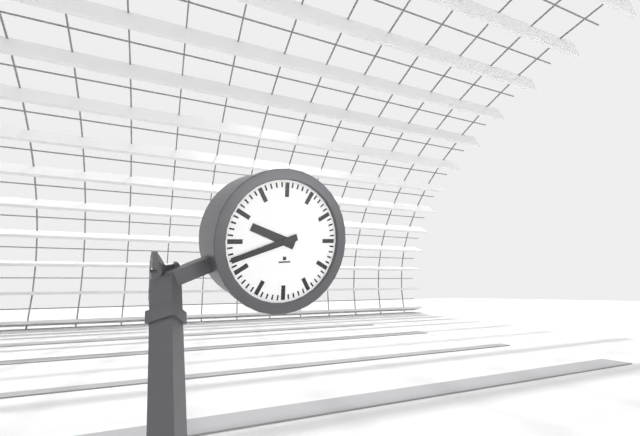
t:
9,42
